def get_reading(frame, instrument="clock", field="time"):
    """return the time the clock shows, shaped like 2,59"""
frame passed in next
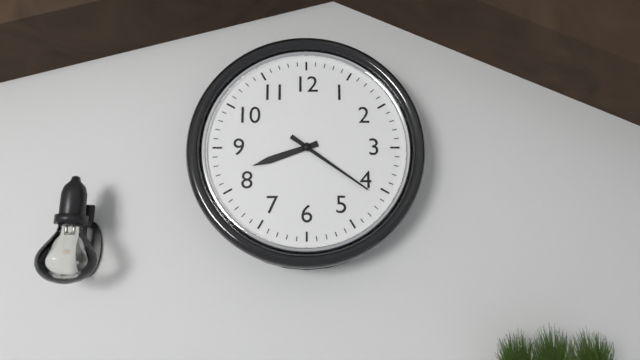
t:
8,21
